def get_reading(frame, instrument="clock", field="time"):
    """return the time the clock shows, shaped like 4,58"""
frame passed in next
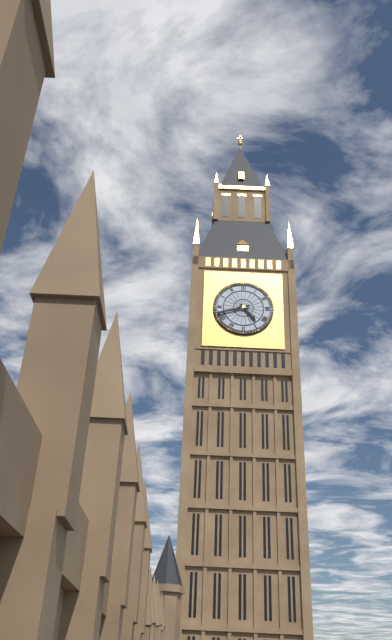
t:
4,42
